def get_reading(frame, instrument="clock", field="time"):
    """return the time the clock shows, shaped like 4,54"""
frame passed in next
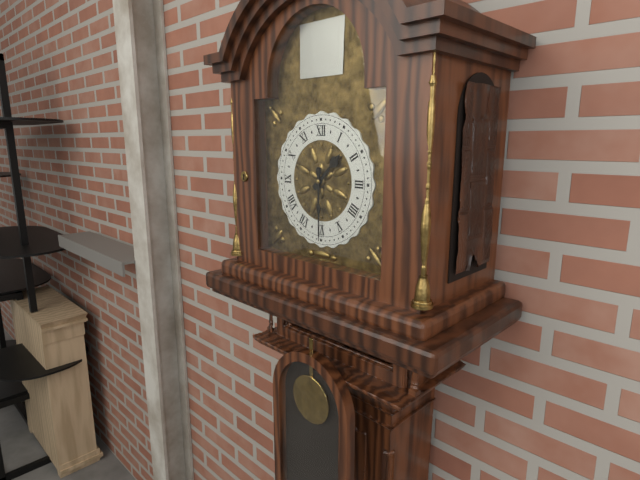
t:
1,30
